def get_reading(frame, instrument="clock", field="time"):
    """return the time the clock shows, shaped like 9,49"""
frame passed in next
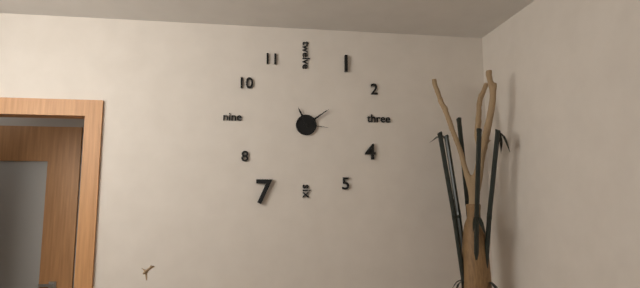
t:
11,09
